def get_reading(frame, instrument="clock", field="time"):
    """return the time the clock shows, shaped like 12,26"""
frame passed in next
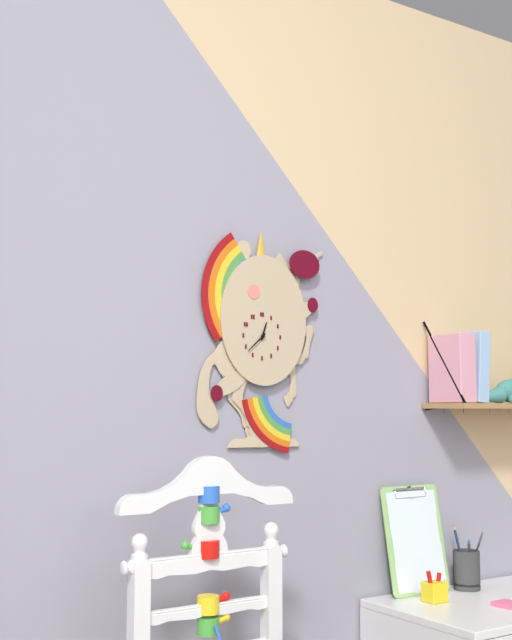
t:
12,38
